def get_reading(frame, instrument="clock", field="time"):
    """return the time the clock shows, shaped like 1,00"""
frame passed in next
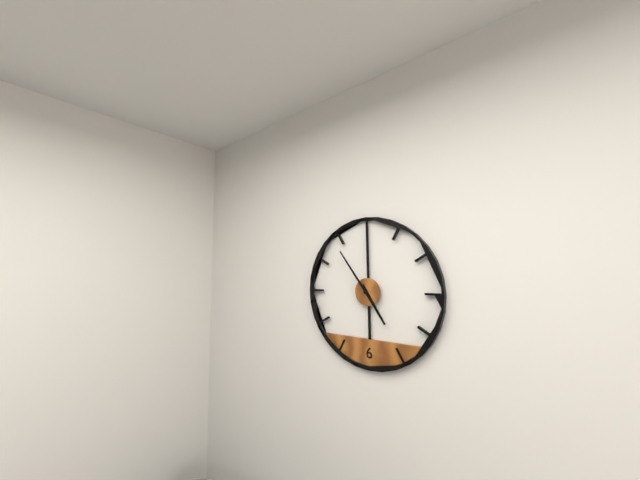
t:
4,54
